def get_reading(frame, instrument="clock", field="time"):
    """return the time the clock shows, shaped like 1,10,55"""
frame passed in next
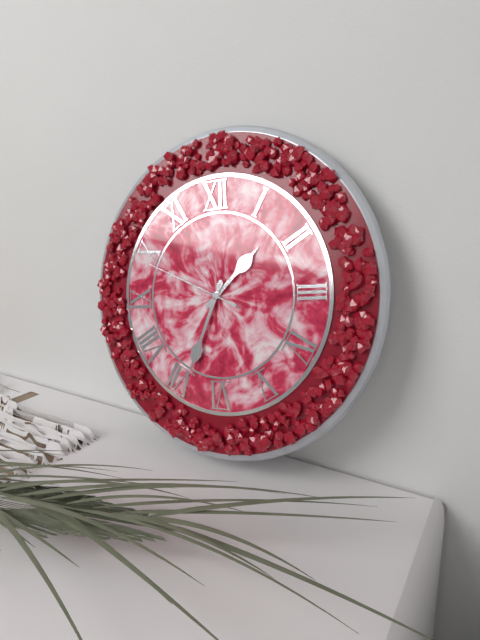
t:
1,34,49
